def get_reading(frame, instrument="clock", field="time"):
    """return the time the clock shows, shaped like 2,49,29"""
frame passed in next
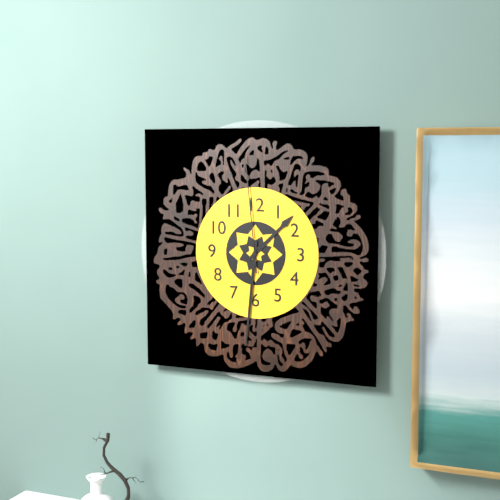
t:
1,31,59
